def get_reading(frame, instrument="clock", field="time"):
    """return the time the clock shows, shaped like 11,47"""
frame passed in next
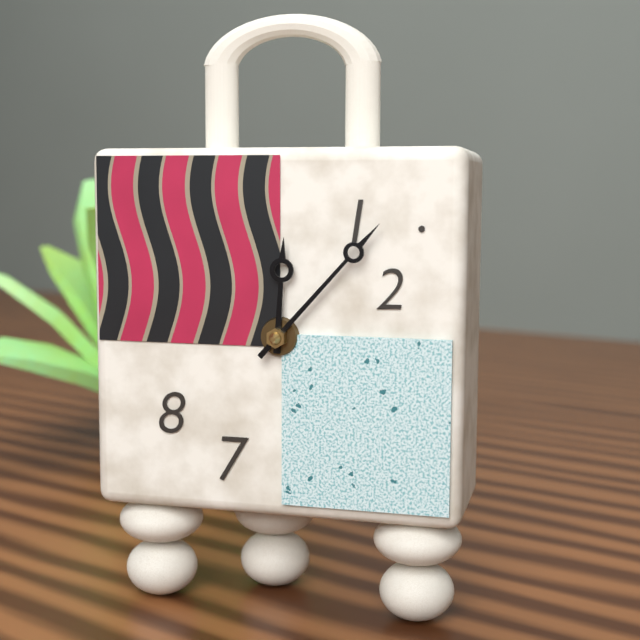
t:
12,07
